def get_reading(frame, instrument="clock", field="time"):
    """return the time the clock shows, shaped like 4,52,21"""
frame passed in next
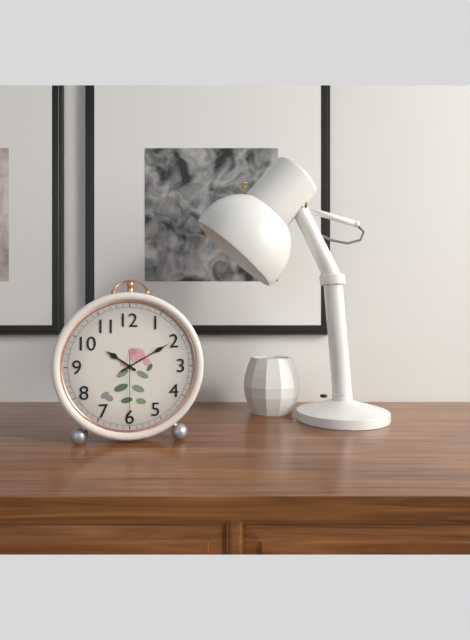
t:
10,10,30
